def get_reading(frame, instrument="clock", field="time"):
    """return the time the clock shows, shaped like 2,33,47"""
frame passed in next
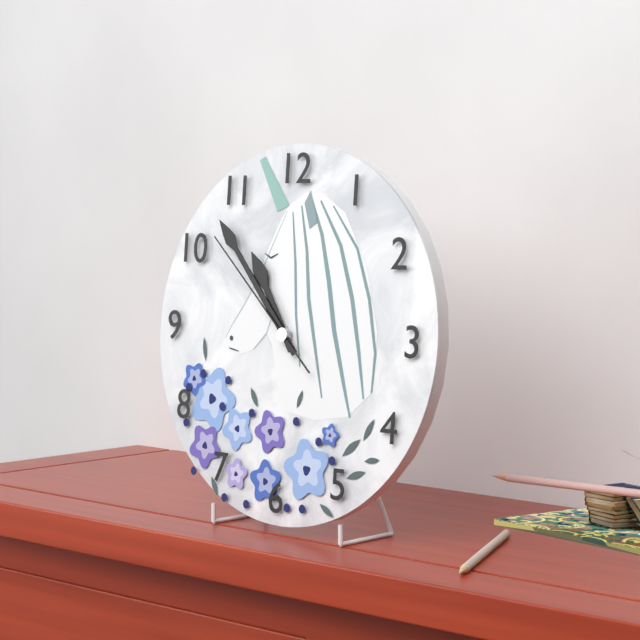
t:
10,53,52
